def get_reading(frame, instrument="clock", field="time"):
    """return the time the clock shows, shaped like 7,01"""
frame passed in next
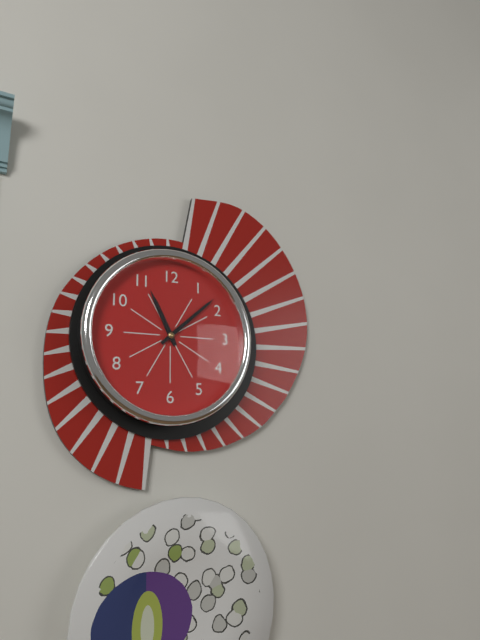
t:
11,08
